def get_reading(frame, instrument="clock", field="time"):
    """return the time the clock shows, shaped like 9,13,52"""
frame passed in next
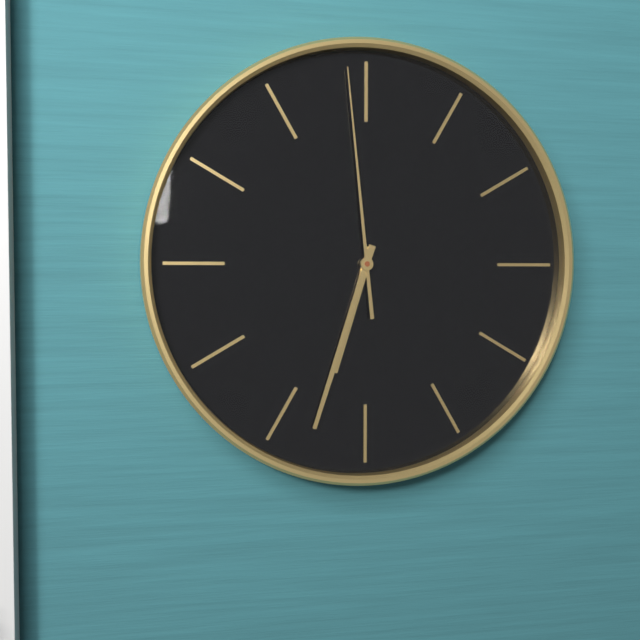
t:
6,33,59
